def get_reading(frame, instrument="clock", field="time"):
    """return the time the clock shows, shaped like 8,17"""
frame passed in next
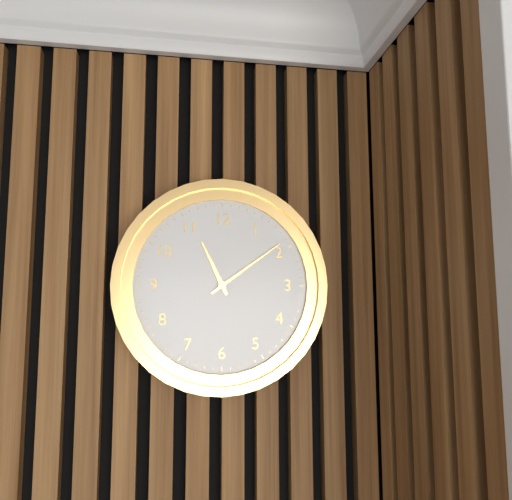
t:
11,09
